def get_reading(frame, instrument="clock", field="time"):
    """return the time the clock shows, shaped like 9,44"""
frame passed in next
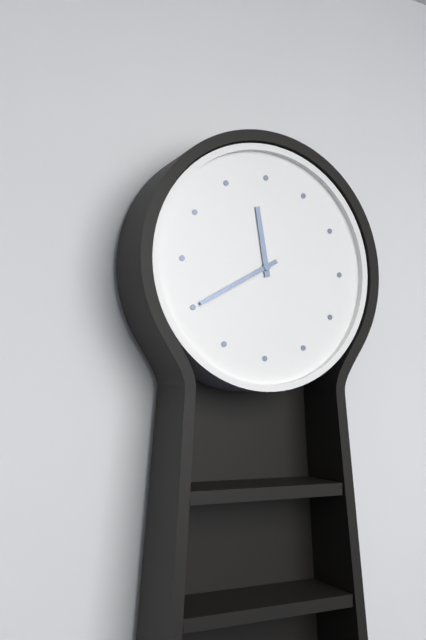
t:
11,40
